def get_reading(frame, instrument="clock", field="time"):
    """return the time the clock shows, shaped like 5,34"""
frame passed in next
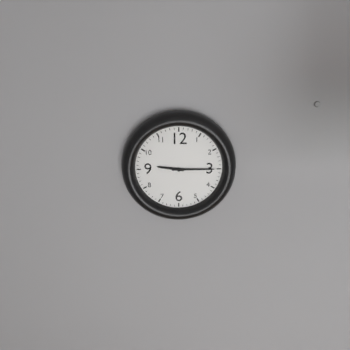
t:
9,15
